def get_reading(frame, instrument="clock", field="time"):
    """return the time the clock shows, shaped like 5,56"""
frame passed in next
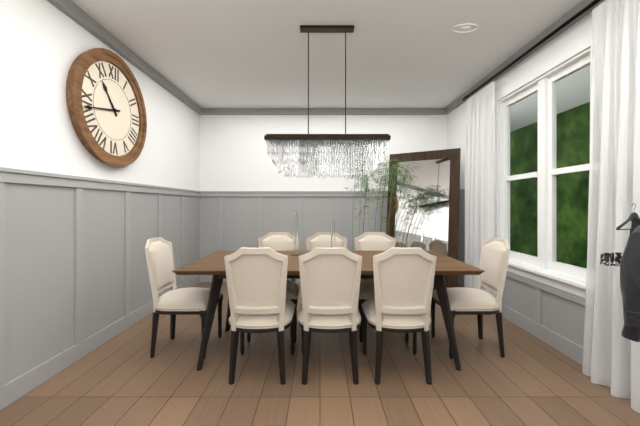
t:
10,43
